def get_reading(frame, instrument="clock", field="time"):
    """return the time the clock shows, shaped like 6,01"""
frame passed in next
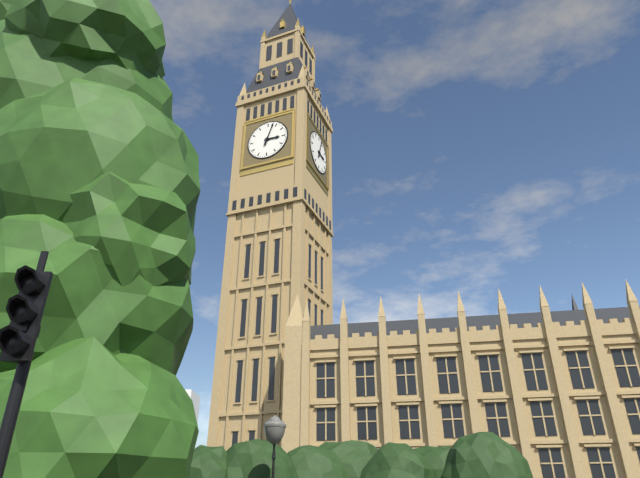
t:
3,03
